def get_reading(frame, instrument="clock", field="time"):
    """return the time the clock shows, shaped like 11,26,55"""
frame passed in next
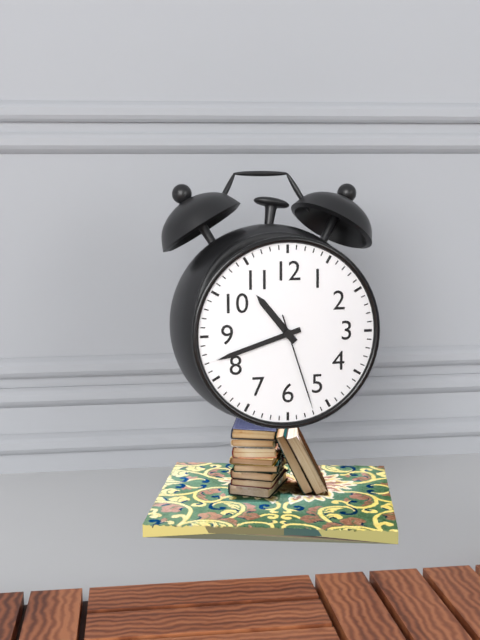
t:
10,42,27
